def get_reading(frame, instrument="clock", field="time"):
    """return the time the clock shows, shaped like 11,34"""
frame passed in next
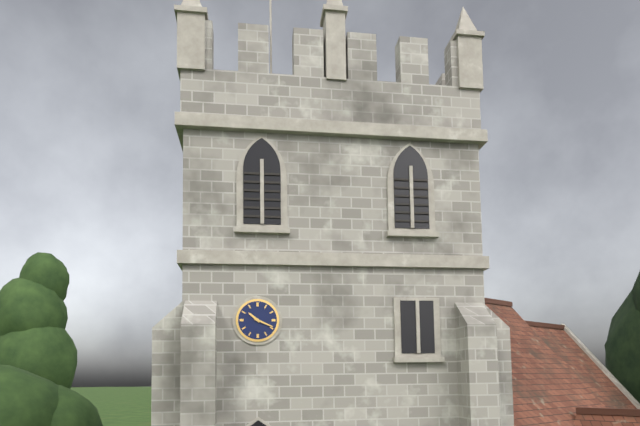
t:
10,19
